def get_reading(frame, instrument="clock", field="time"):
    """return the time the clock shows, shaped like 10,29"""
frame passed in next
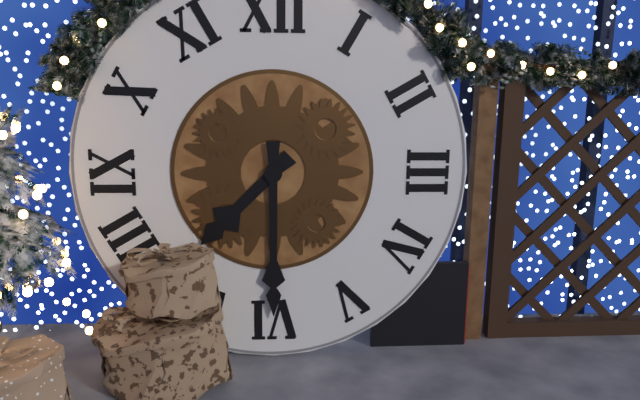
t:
7,30
